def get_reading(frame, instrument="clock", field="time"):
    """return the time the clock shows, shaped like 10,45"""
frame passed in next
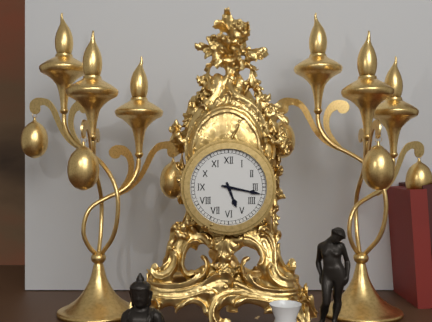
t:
5,17
